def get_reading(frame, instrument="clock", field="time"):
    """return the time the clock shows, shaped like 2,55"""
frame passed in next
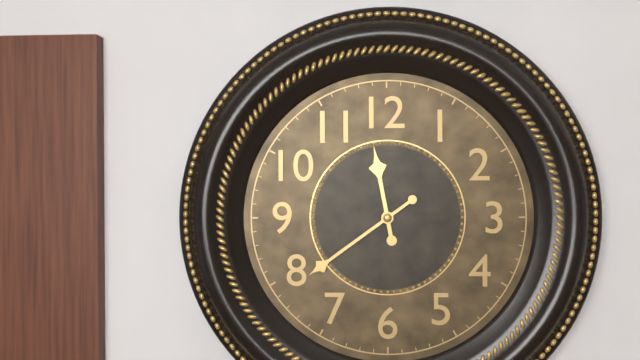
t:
11,39
